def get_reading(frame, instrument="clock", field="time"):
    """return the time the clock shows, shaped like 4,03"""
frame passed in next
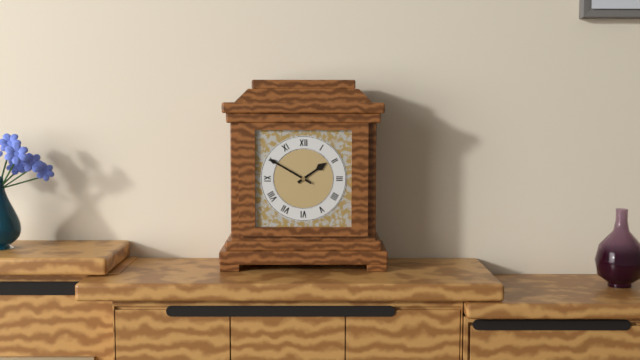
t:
1,50
